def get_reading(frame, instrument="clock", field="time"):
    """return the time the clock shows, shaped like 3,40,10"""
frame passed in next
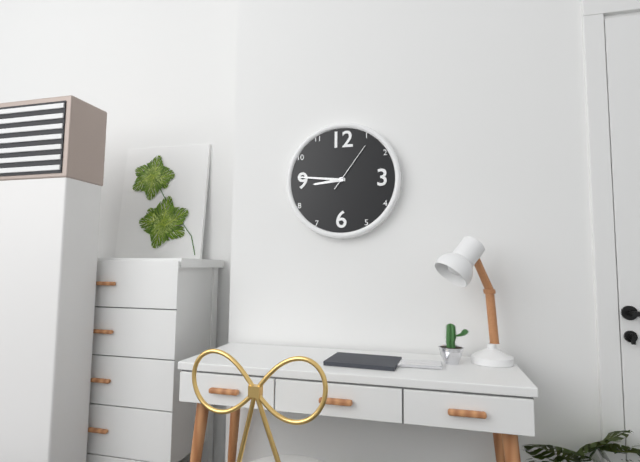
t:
8,46,06
